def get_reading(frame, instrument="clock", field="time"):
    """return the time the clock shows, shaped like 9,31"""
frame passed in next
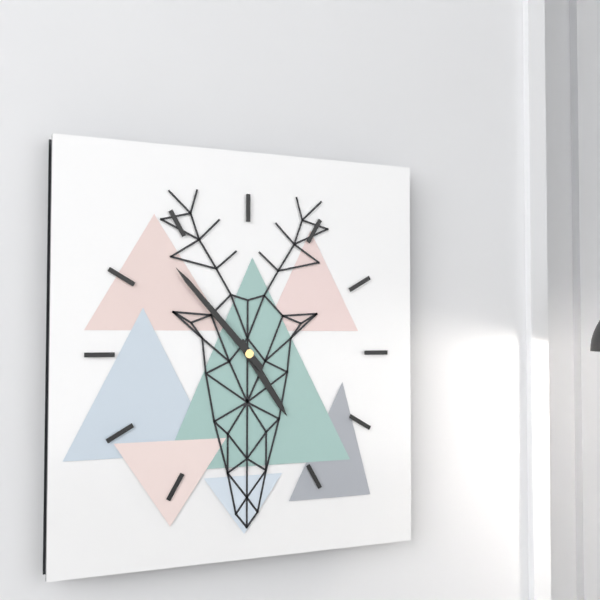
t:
4,53
